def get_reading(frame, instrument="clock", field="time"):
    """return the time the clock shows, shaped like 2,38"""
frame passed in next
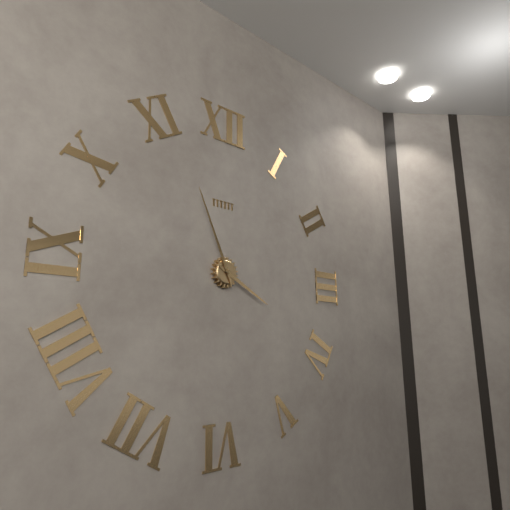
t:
3,56
